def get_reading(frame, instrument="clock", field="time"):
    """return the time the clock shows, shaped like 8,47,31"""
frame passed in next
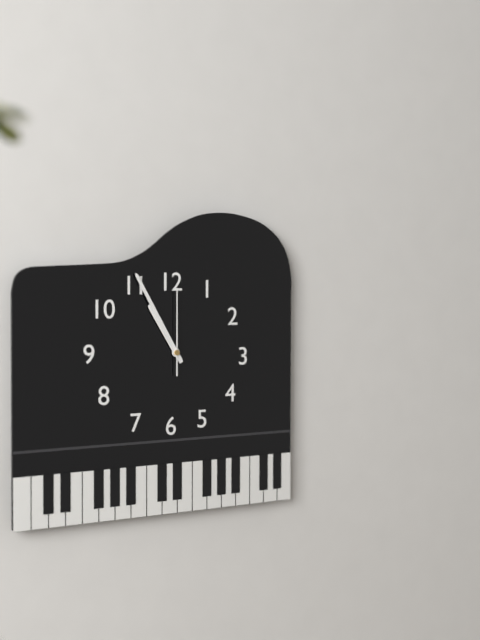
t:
10,55,00
